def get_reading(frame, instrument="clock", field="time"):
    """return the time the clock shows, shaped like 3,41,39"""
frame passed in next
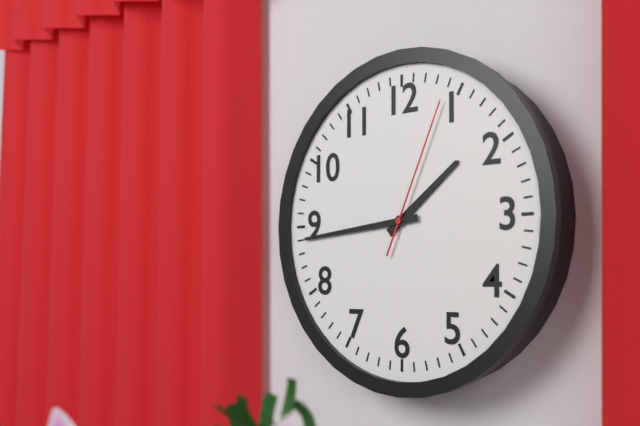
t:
1,44,04
